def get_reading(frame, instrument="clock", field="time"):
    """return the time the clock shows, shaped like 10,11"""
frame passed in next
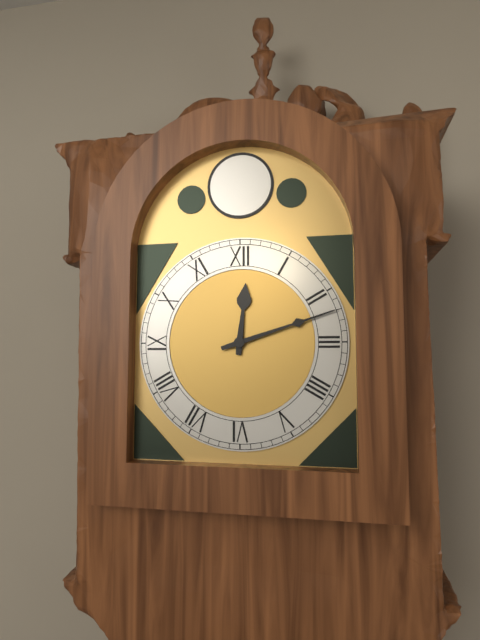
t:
12,12
